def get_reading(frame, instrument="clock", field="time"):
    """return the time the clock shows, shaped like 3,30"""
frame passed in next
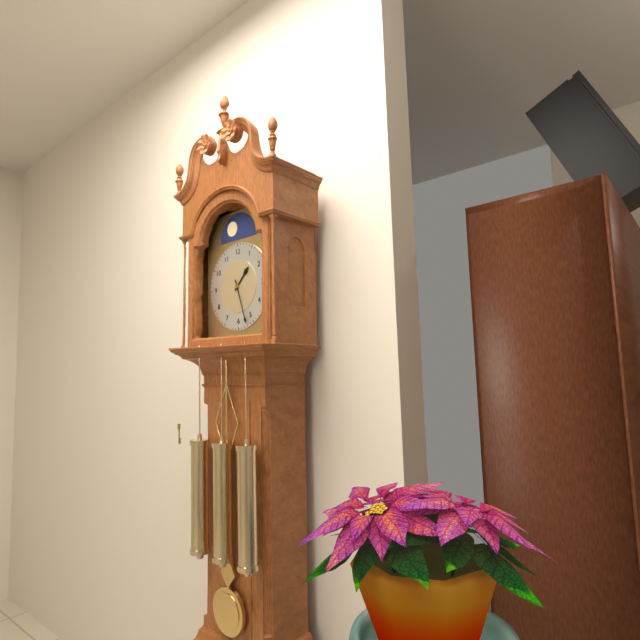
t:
1,27
